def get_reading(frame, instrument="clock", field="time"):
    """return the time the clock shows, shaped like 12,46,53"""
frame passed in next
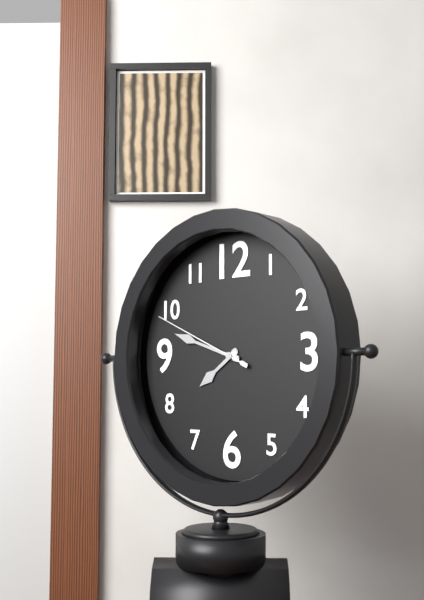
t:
7,48,49
